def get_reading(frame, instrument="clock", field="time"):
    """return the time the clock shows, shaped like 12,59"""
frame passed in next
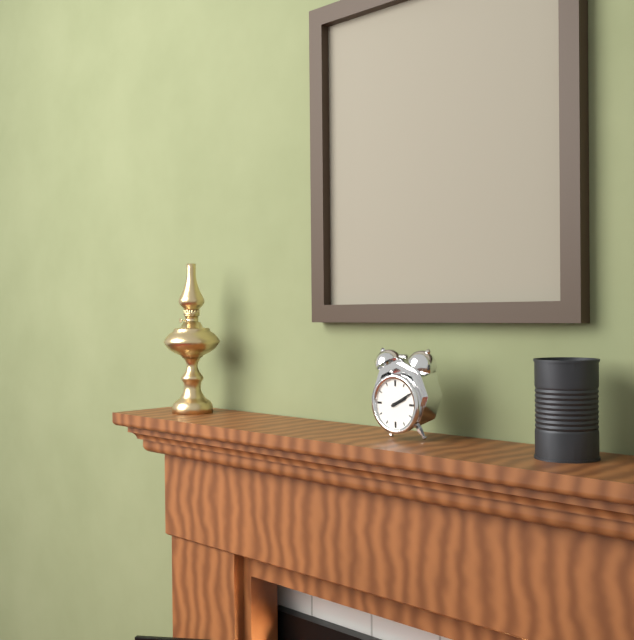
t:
2,10
